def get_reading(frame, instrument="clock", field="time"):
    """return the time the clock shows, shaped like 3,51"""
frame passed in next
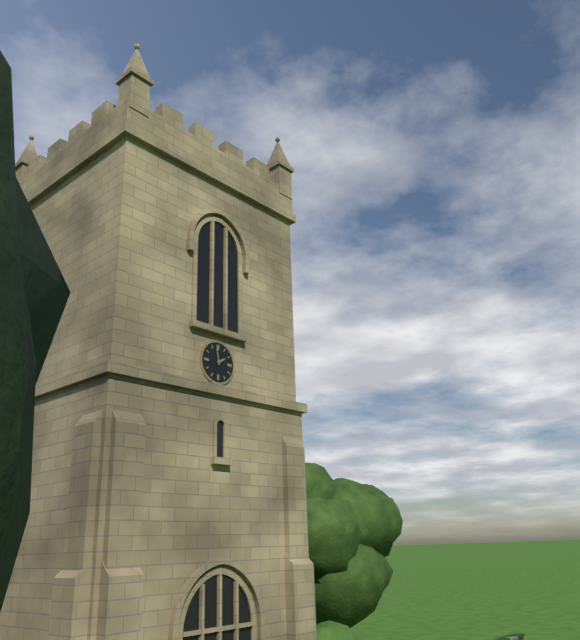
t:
1,58
